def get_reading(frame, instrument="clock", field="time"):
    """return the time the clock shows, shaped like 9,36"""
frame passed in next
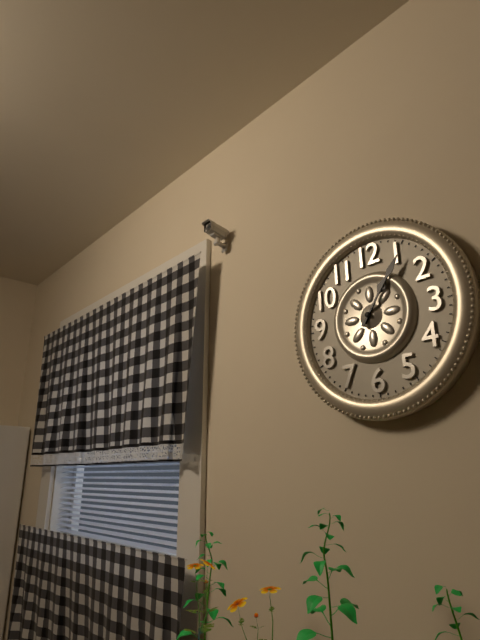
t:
1,06
